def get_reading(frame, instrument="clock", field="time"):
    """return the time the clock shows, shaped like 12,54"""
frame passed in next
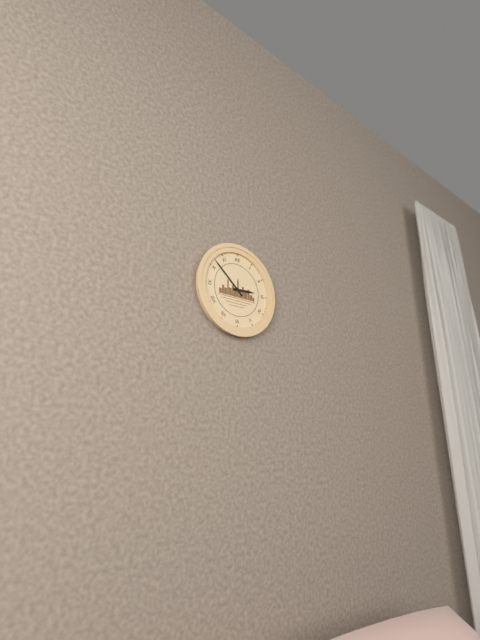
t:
2,52
